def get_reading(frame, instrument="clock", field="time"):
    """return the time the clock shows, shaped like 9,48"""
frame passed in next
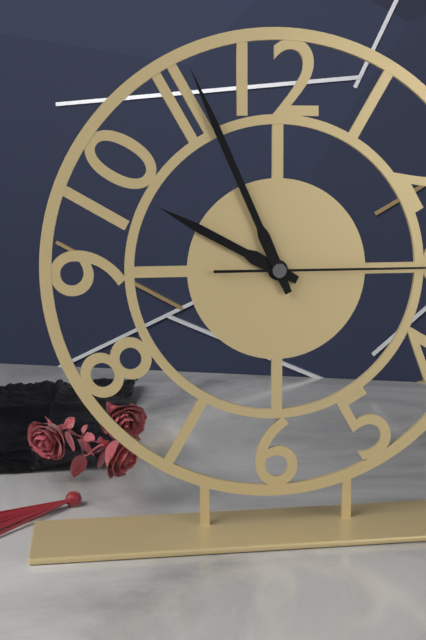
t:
9,56
